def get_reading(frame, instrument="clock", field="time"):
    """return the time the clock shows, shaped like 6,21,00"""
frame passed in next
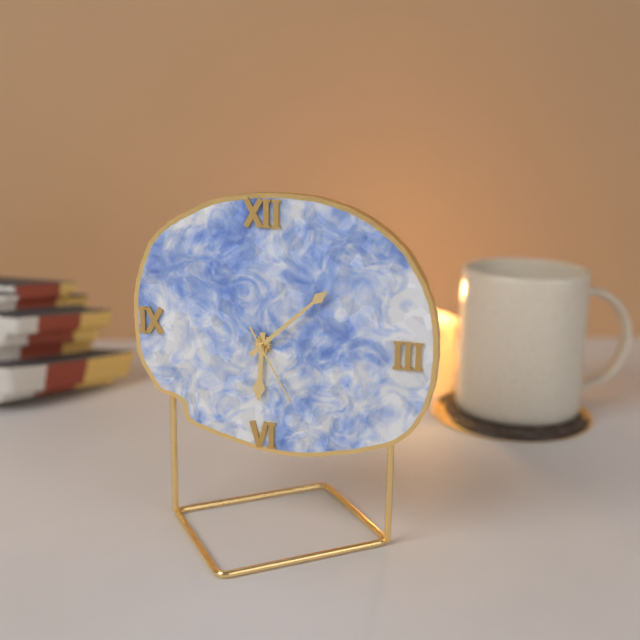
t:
6,08,25
